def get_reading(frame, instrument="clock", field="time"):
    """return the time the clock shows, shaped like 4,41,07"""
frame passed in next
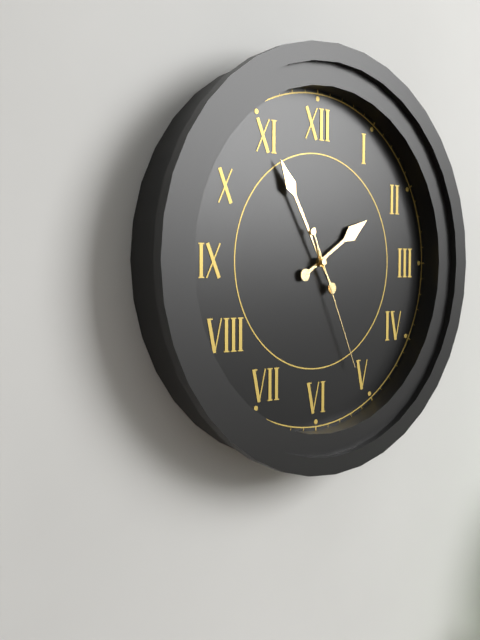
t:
1,55,26
